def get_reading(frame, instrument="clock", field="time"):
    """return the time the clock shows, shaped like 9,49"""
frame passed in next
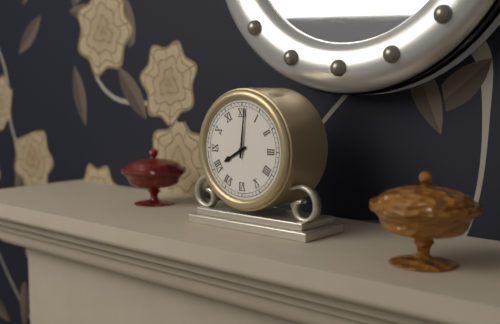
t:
8,01
